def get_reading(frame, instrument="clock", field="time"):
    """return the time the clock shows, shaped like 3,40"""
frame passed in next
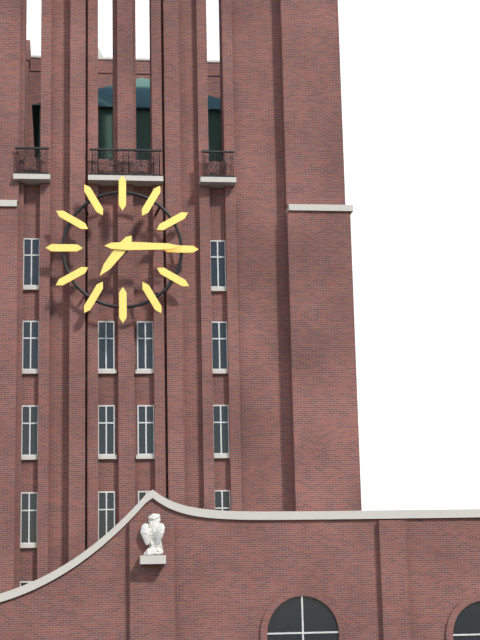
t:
7,15
